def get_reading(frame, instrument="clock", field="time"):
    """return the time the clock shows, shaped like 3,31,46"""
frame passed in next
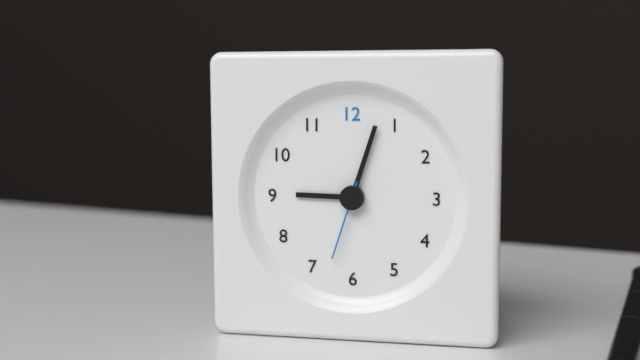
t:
9,03,33
